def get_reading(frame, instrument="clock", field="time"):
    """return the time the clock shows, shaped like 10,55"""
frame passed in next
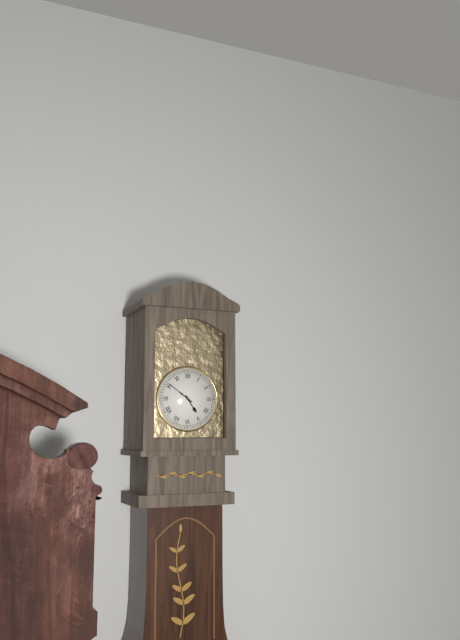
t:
4,51
